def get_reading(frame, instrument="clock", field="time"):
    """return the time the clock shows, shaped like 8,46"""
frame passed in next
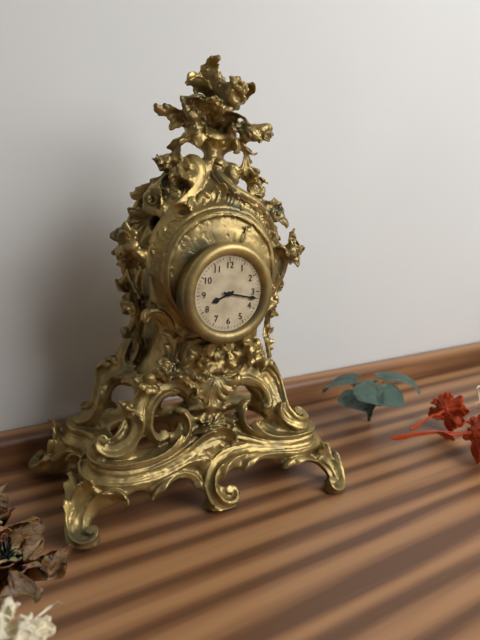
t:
8,17
